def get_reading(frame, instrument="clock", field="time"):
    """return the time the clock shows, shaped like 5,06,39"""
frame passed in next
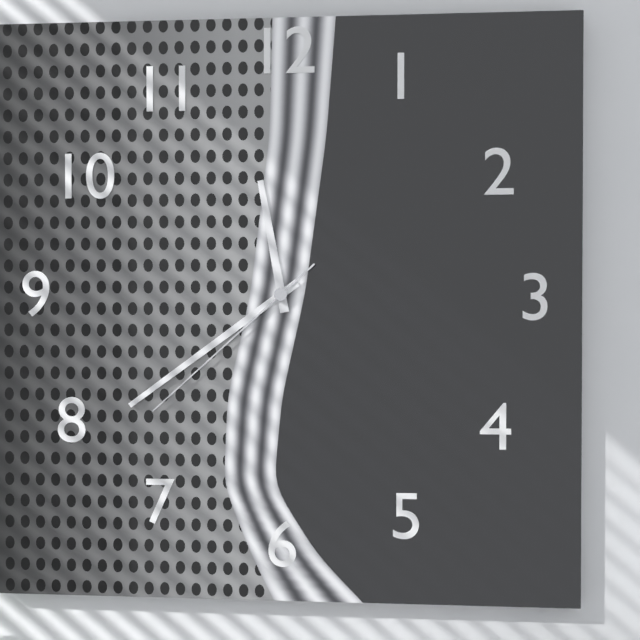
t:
11,39,38
